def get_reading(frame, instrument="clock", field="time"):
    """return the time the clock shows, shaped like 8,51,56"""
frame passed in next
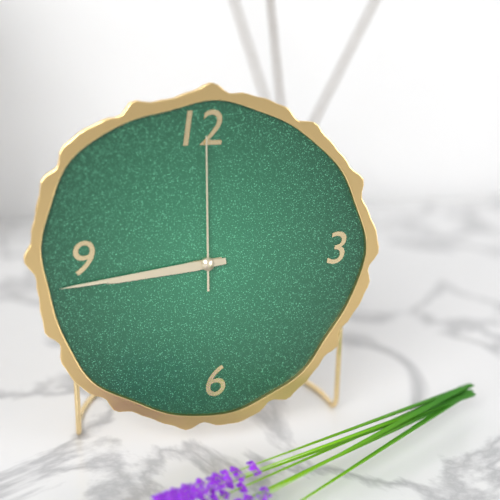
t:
8,44,00
